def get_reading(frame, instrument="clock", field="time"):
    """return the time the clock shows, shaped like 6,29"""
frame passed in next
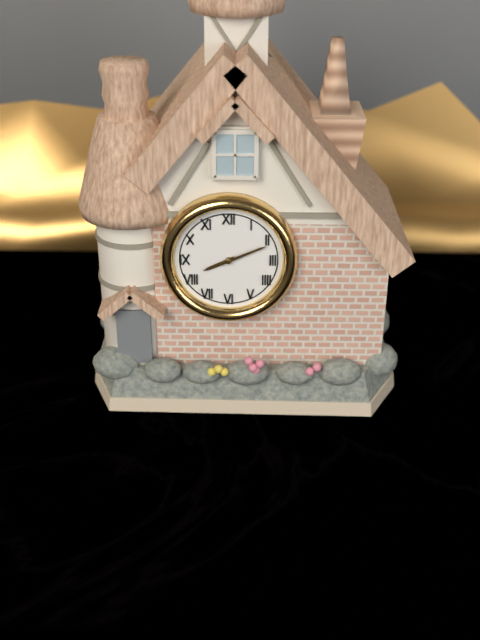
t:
8,11
